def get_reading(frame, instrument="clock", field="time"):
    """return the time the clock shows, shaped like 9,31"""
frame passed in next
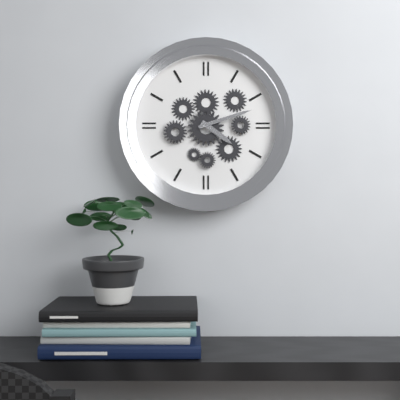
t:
4,12
